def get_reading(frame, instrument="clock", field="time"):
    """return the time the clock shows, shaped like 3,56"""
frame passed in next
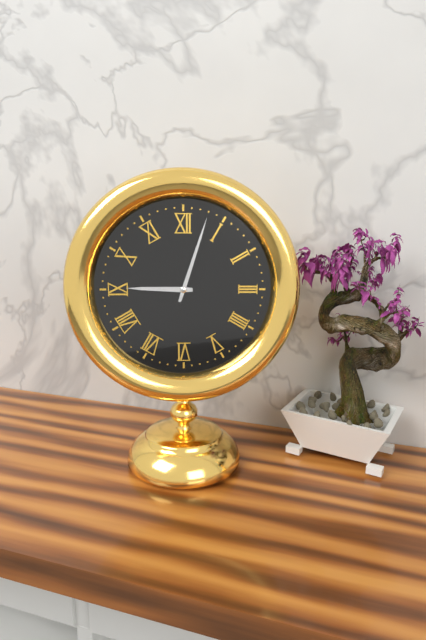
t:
9,03
